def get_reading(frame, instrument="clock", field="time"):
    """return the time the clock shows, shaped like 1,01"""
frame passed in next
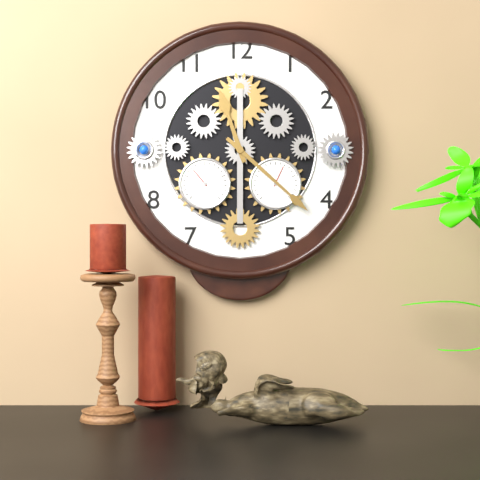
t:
11,22
